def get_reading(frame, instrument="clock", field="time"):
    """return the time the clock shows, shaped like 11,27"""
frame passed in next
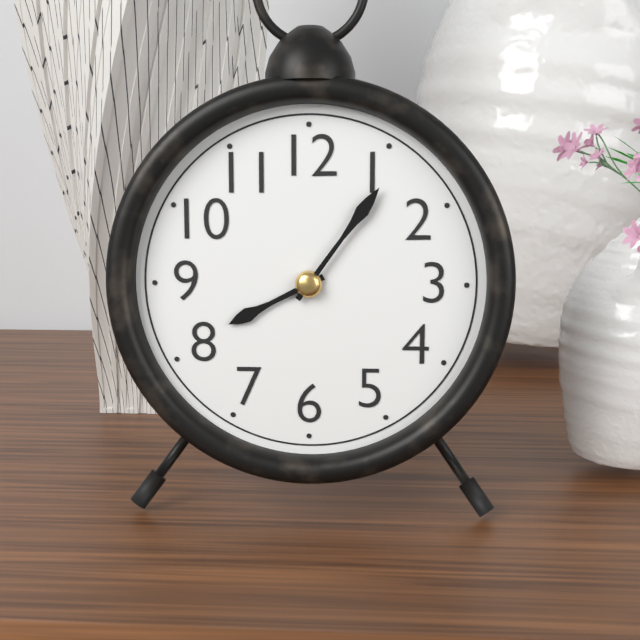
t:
8,06
